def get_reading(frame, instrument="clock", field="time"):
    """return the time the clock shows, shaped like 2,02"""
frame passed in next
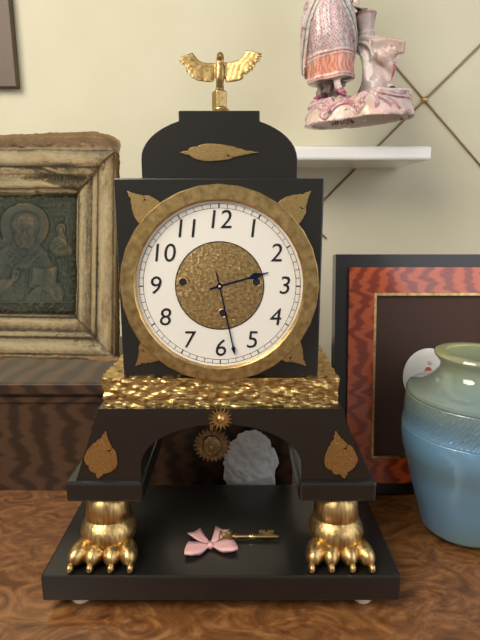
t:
2,28
